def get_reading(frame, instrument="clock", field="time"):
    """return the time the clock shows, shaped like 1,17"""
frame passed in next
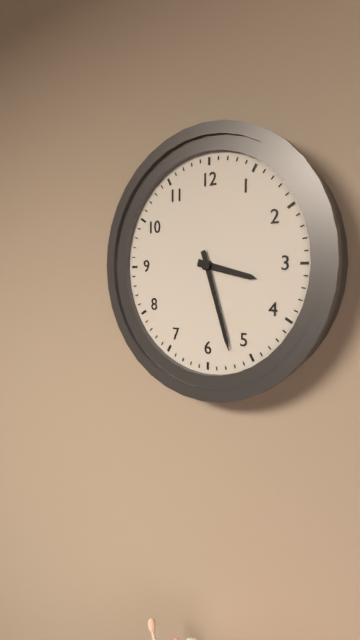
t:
3,27
